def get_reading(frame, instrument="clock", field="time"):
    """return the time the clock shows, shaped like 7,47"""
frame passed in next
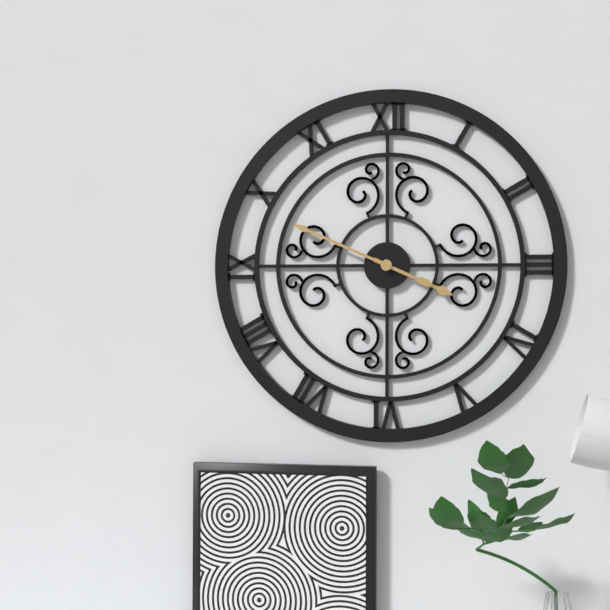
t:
3,49
